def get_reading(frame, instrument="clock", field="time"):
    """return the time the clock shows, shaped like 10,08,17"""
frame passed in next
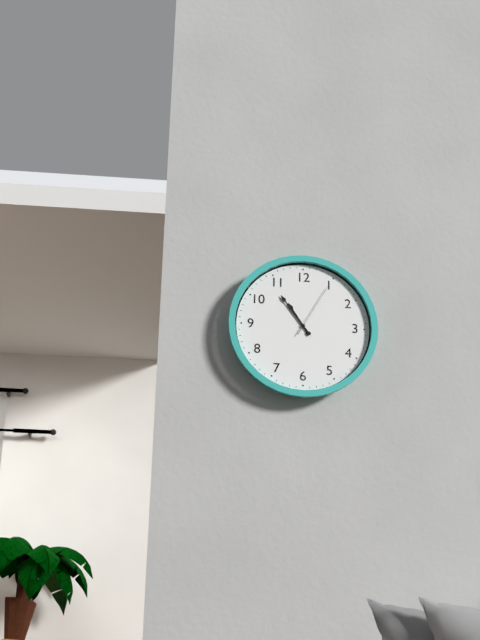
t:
10,54,05
